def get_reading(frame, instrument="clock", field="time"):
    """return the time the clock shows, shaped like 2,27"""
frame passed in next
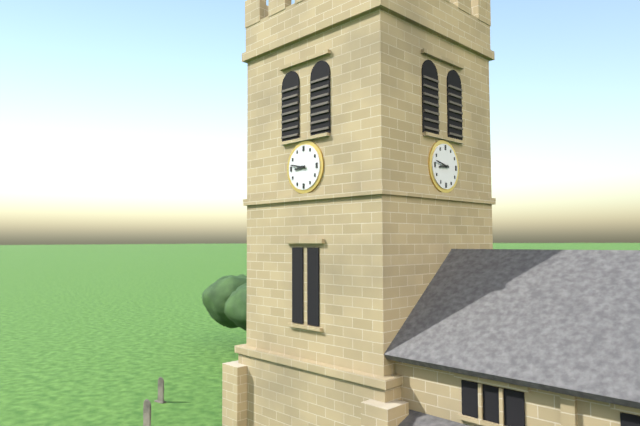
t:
8,47
